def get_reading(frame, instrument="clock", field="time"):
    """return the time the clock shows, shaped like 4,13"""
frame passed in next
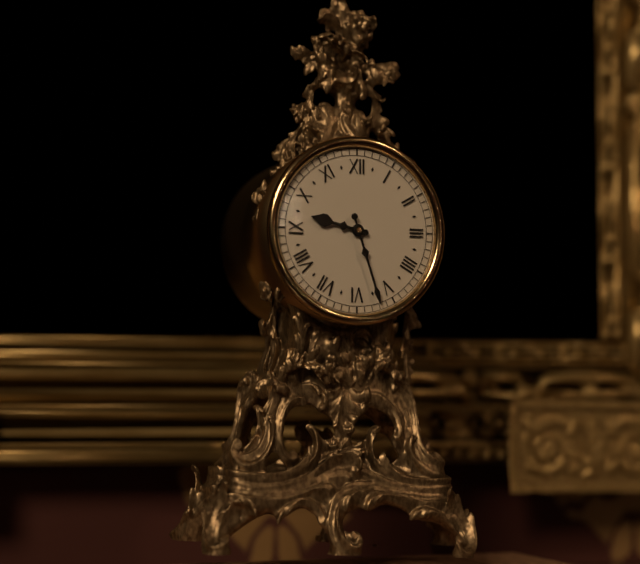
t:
9,27
